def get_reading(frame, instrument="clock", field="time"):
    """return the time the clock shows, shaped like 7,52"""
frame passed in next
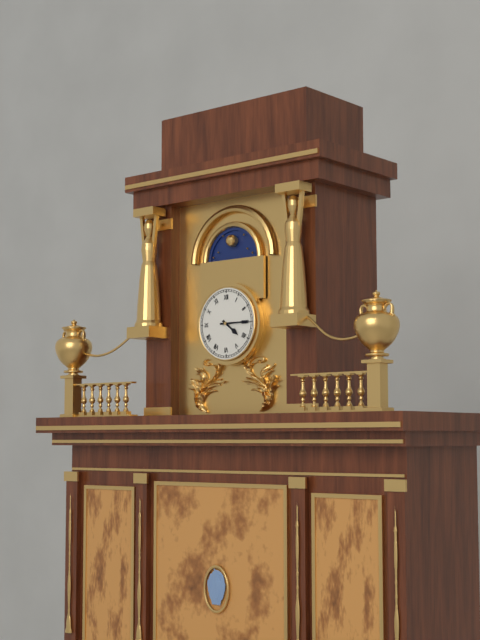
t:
4,15
